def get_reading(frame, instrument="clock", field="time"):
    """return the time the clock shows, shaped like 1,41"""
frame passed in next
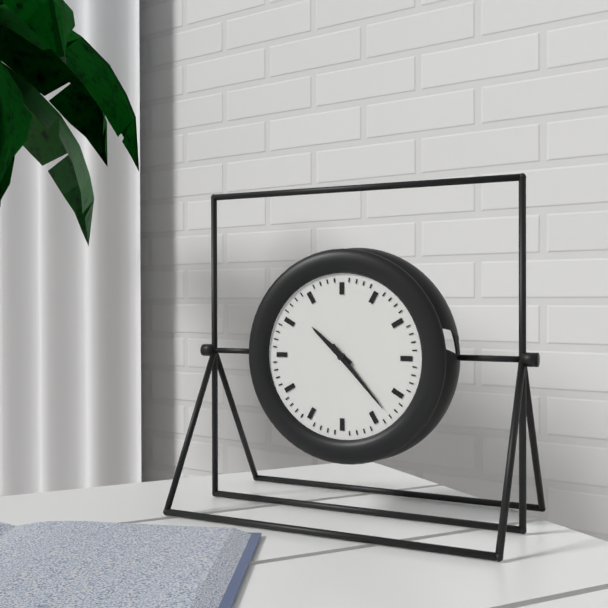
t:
10,23
